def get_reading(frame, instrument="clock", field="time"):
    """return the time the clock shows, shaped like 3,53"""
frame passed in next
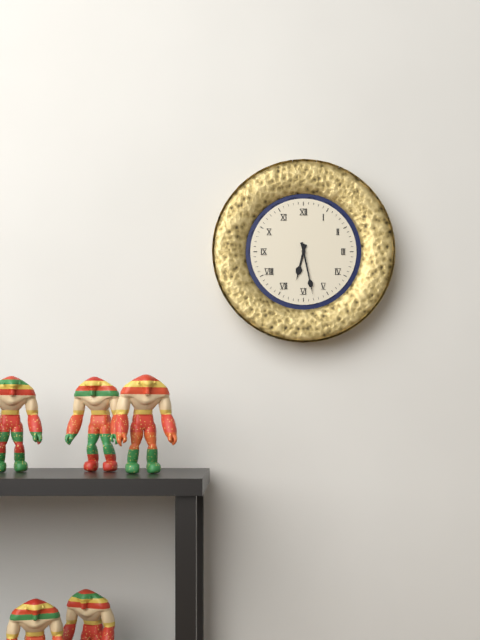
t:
6,28
